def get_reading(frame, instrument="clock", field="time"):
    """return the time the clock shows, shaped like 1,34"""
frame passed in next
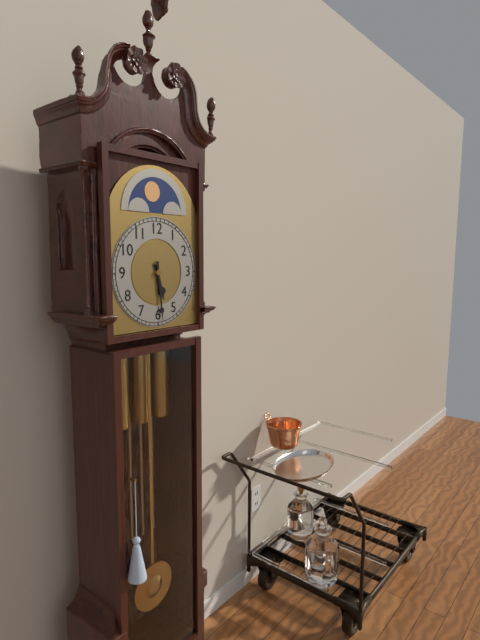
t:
5,29
